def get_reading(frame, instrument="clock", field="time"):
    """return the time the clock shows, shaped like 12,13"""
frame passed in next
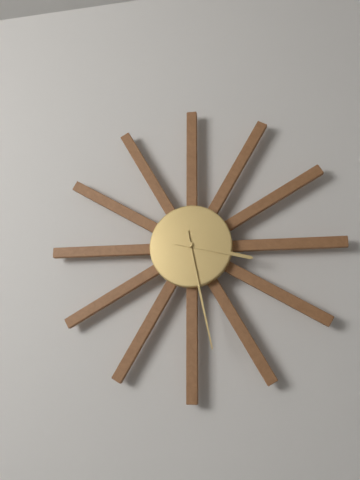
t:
3,28
